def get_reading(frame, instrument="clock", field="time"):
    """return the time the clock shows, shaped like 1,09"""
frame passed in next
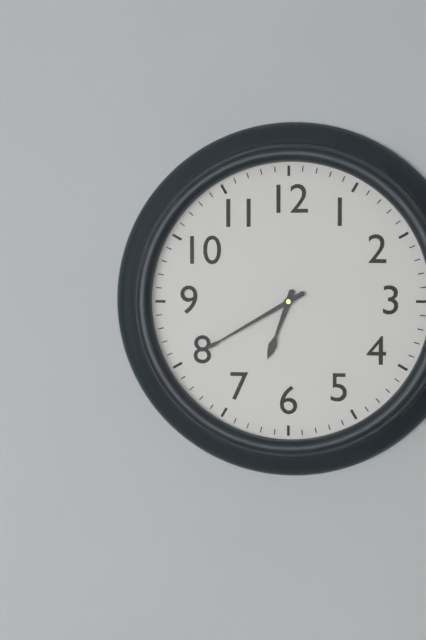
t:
6,40
